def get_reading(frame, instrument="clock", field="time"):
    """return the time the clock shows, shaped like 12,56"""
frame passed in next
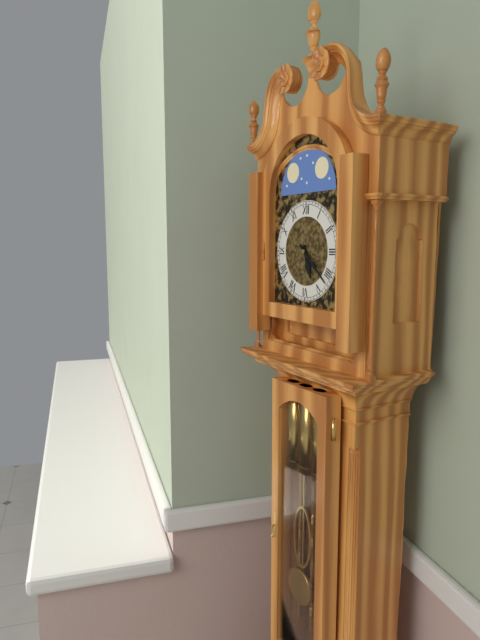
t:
5,22
